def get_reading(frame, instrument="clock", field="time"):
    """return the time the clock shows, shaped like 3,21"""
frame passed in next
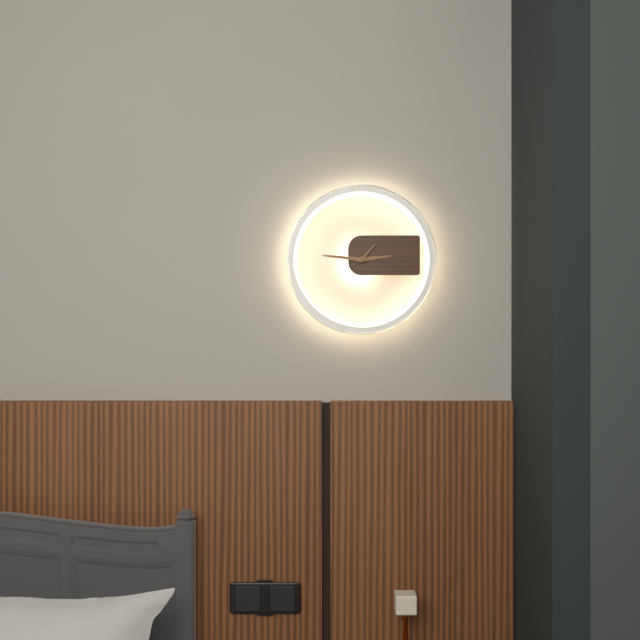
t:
2,46
